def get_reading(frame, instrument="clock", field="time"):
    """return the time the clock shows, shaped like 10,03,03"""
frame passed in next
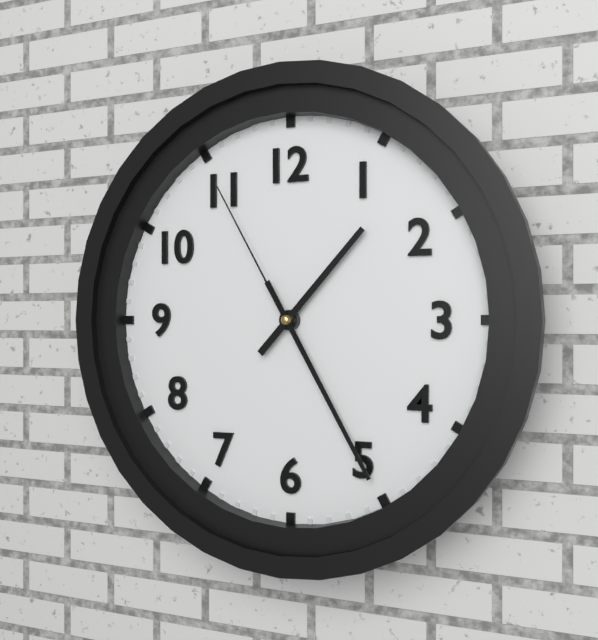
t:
1,25,55
